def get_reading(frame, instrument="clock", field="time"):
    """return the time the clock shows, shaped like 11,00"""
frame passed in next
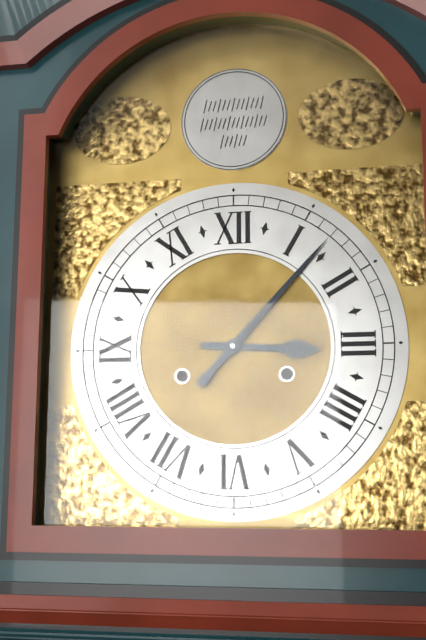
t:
3,07
